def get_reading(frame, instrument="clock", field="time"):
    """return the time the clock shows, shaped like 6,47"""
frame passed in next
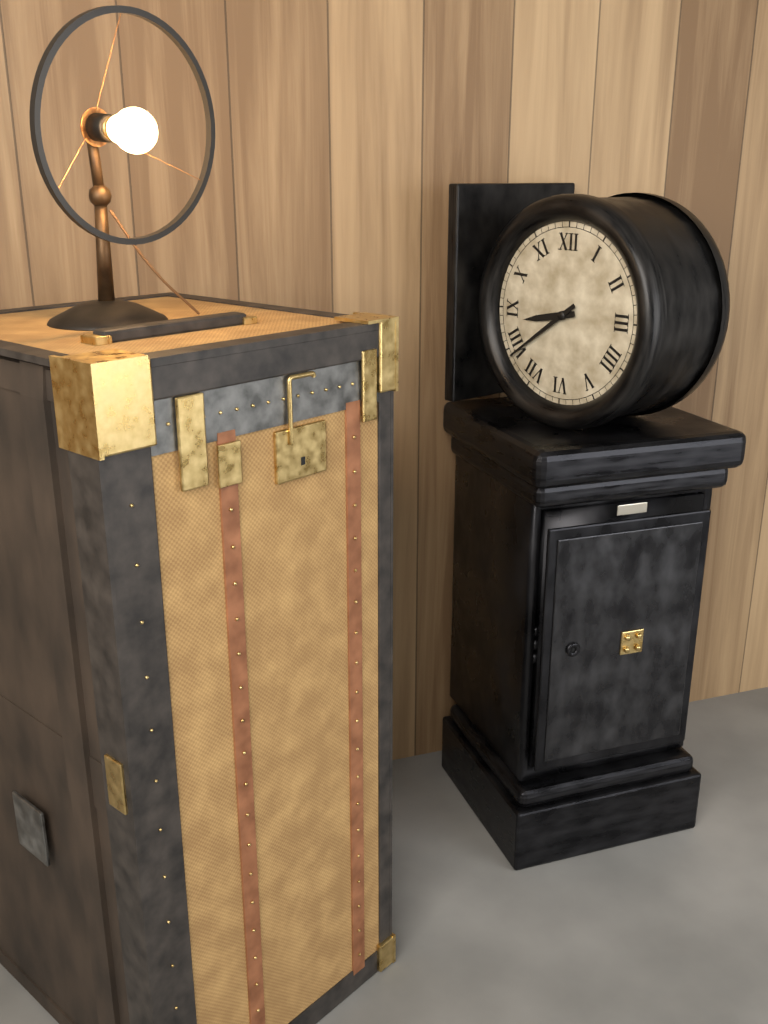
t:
8,39
